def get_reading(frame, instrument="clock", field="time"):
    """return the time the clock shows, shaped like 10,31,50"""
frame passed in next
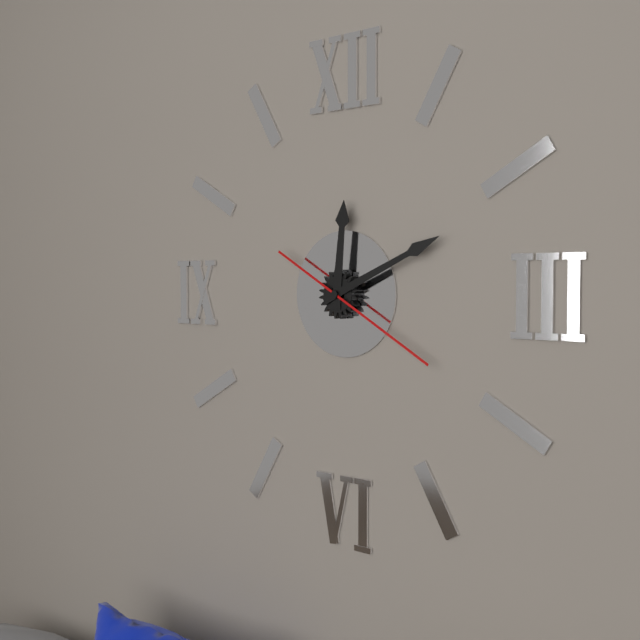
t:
12,11,20
